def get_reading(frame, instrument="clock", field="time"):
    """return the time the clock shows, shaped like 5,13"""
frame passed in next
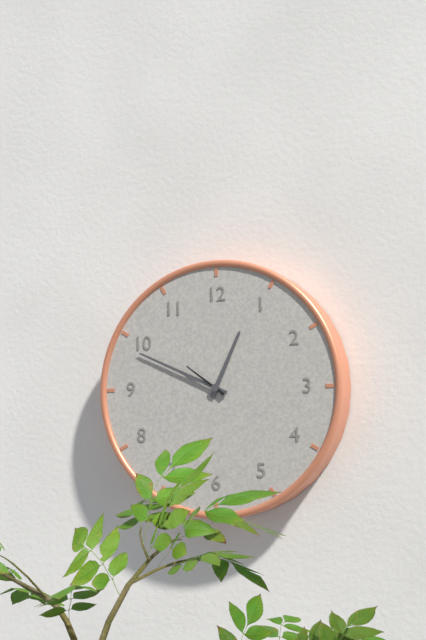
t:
12,49
